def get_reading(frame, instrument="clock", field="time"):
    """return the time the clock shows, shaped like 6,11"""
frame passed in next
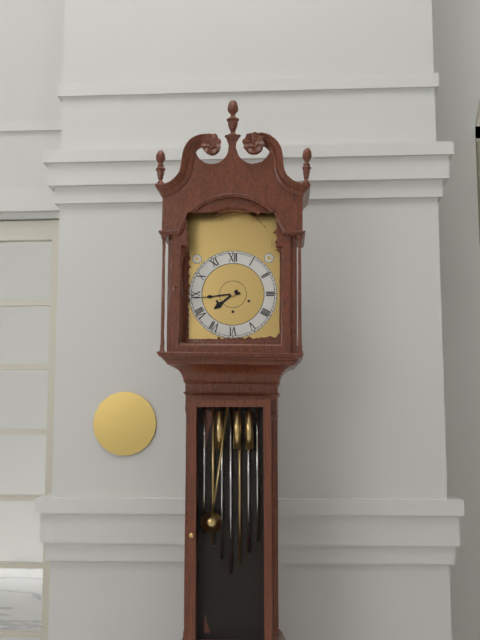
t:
7,44
